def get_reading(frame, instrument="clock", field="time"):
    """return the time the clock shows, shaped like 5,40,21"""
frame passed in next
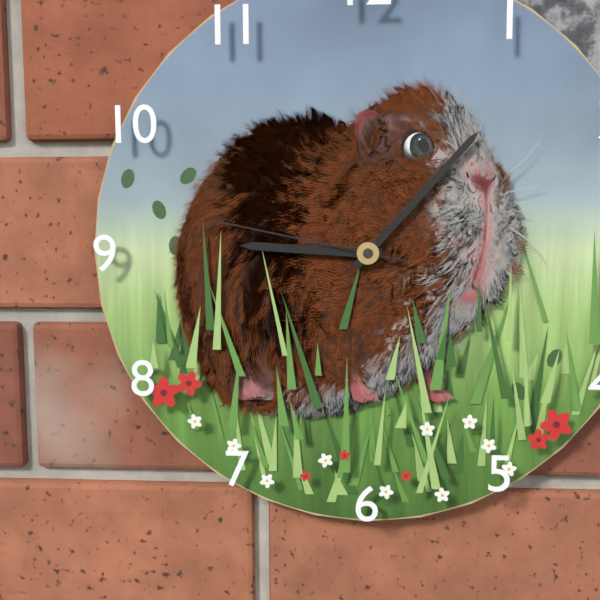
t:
9,07,47
